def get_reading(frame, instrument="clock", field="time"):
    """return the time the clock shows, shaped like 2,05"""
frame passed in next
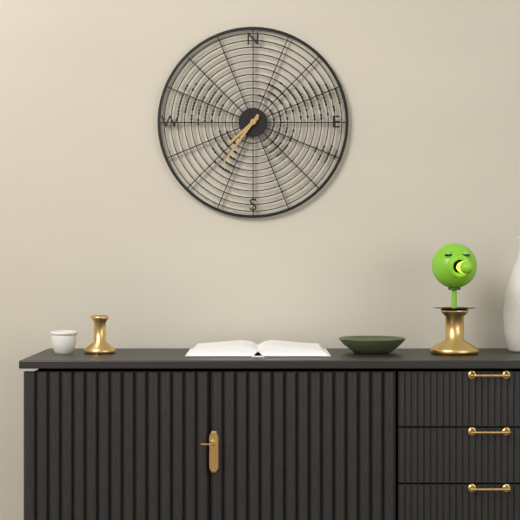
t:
7,36
